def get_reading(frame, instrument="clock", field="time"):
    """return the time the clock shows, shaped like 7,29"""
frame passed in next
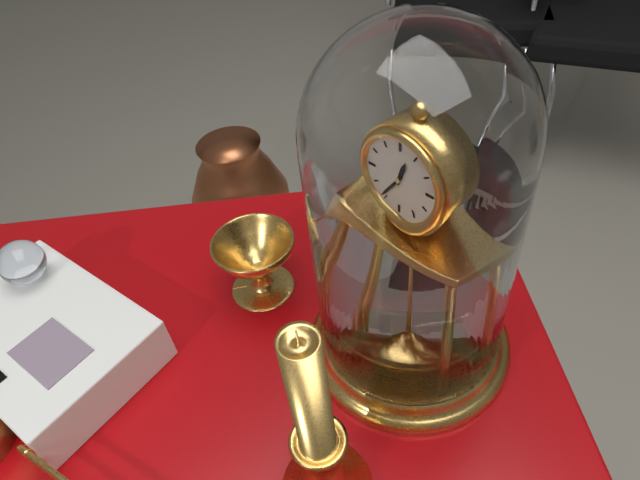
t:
12,36
